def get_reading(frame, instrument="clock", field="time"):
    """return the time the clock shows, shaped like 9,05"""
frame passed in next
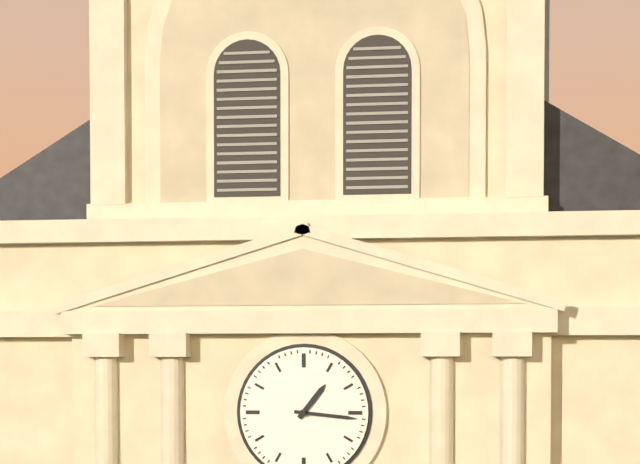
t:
1,16
